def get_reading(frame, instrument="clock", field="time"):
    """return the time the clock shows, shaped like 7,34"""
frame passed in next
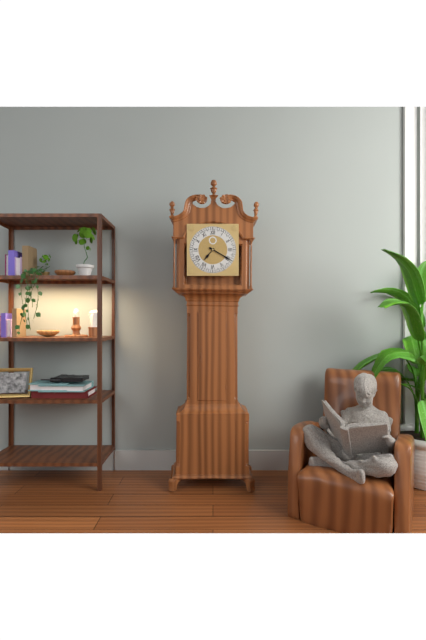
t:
7,20
